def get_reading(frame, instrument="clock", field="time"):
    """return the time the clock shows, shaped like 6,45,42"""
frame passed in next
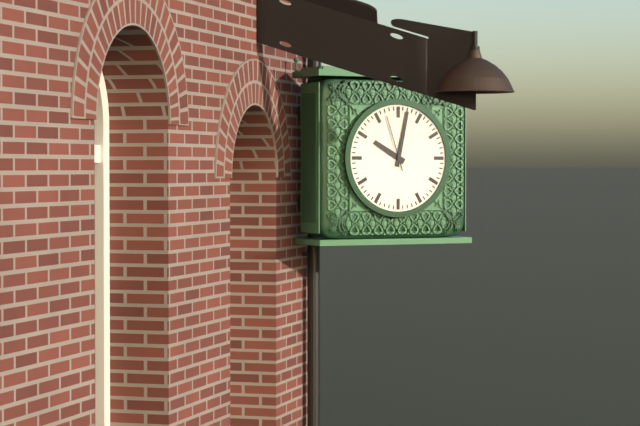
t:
10,02,57
